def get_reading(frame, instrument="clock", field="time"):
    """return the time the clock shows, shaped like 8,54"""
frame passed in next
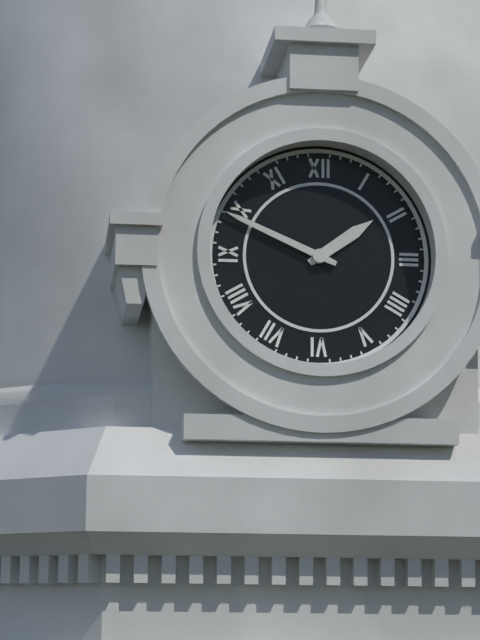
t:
1,49
